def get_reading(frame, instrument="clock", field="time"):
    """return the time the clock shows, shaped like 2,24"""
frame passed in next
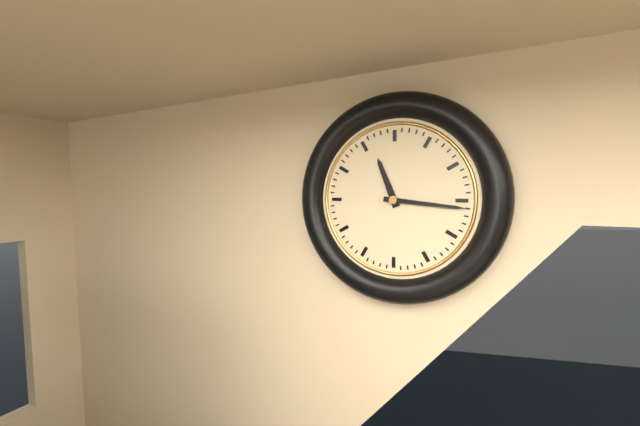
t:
11,16
